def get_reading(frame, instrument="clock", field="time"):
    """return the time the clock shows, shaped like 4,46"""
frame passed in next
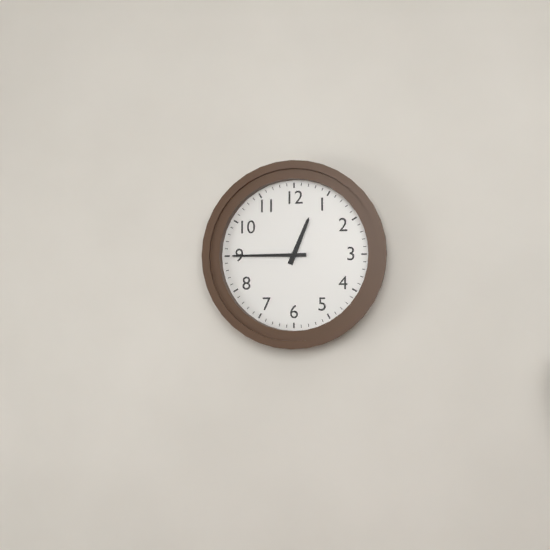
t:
12,45
